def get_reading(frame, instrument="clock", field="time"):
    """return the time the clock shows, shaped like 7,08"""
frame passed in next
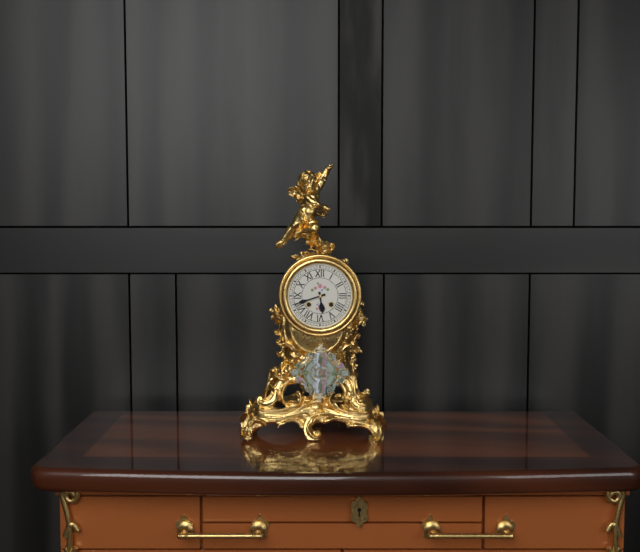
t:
5,42
